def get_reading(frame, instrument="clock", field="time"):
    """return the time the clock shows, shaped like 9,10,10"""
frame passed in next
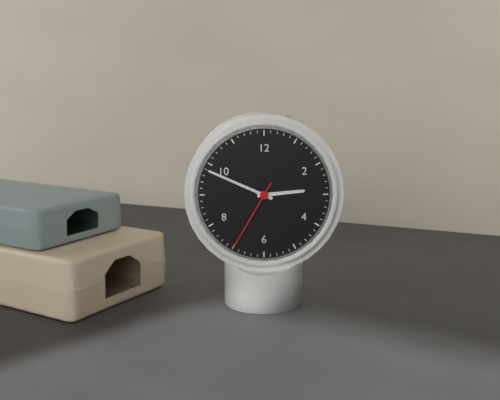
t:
2,49,35
